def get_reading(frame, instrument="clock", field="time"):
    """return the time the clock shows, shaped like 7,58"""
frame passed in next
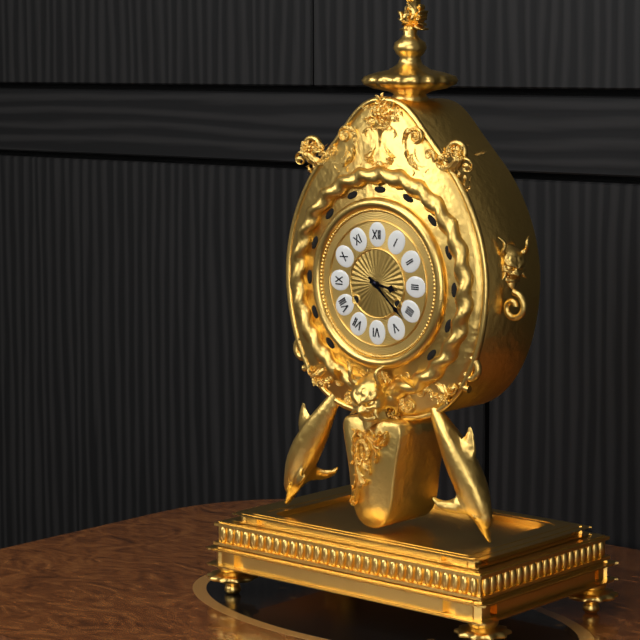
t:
3,22
